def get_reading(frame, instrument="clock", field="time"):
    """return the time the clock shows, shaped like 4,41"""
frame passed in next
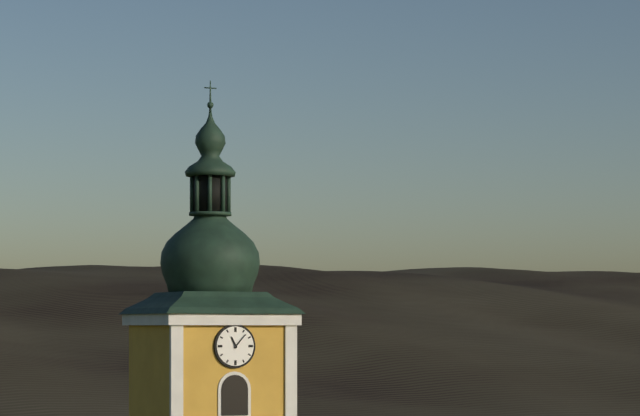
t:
11,07
